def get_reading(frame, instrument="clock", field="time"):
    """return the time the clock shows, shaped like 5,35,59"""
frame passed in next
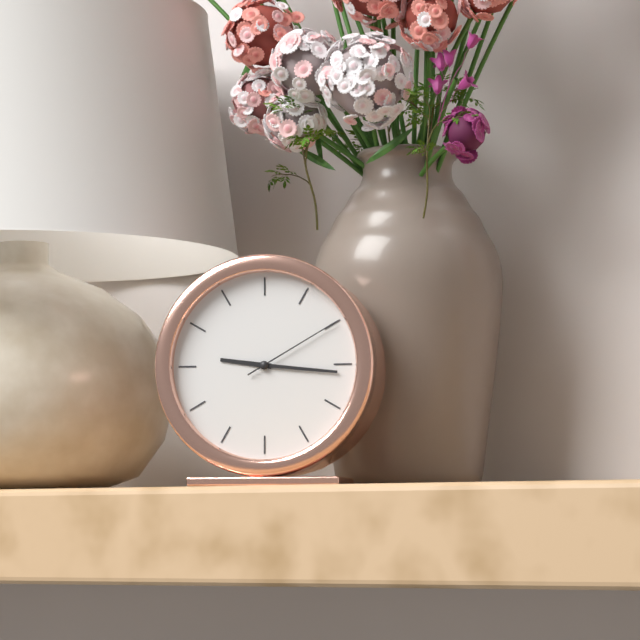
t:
9,16,10
